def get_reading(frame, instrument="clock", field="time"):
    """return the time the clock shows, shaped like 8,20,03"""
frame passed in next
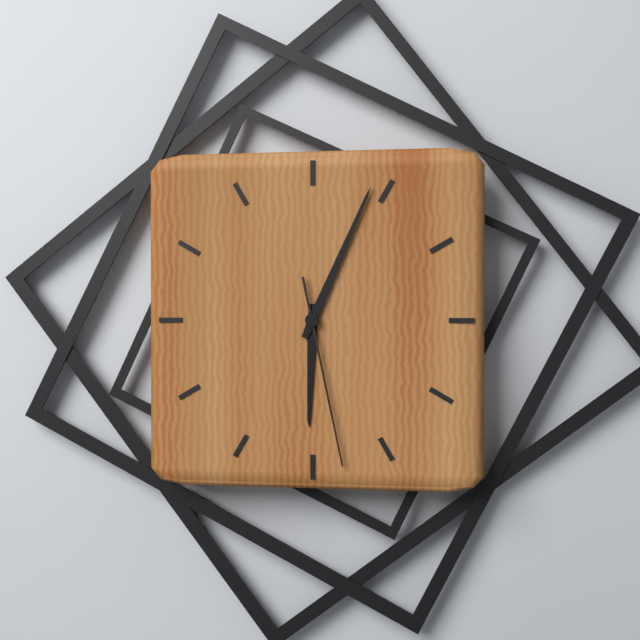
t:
6,04,28
